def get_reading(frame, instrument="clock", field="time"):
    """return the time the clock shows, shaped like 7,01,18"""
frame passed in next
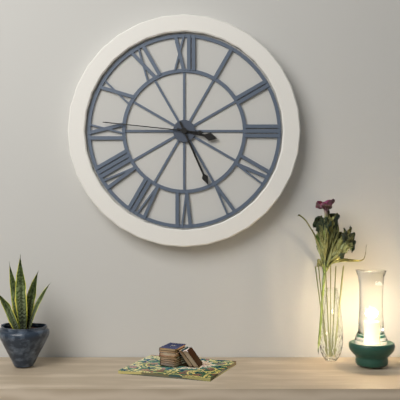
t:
3,26,46
